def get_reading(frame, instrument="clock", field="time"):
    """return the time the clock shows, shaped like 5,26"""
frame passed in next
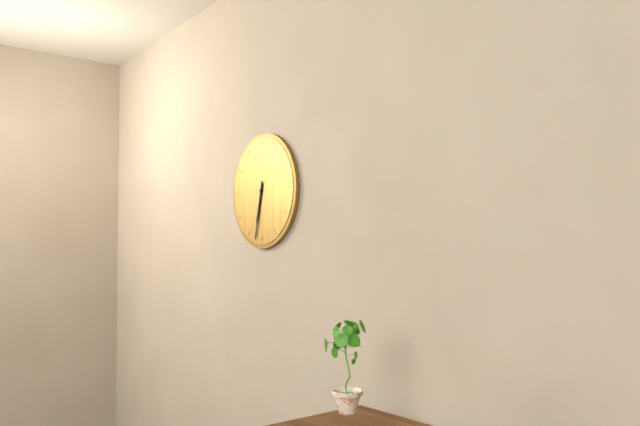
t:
6,32
